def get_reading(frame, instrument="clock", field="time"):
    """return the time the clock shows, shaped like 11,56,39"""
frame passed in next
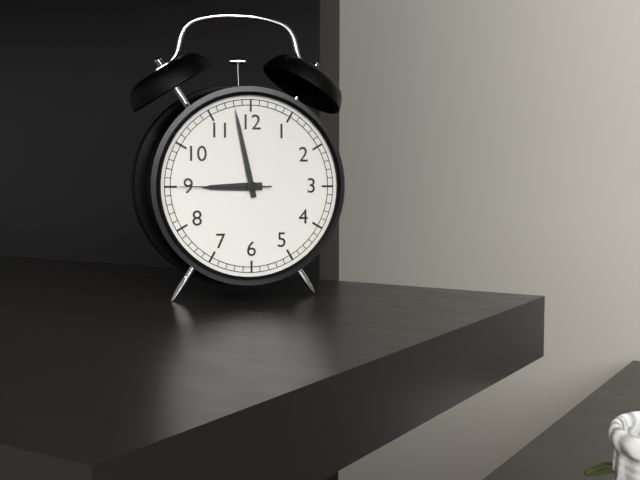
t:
8,58,45
